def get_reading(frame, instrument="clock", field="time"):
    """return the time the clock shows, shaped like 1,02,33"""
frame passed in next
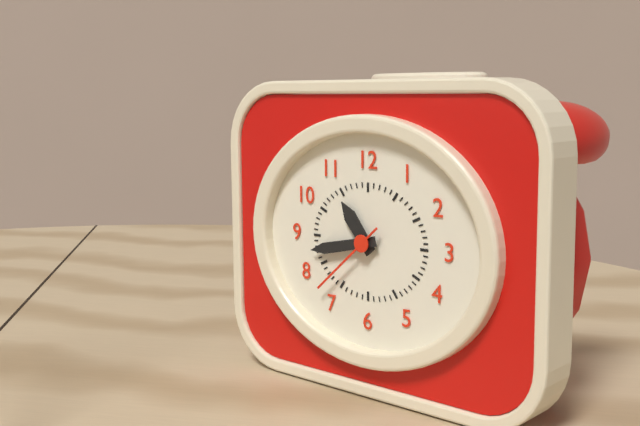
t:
10,43,38
